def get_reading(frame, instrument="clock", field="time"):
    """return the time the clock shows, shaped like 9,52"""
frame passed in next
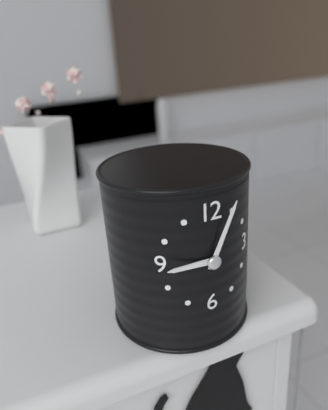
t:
9,04
